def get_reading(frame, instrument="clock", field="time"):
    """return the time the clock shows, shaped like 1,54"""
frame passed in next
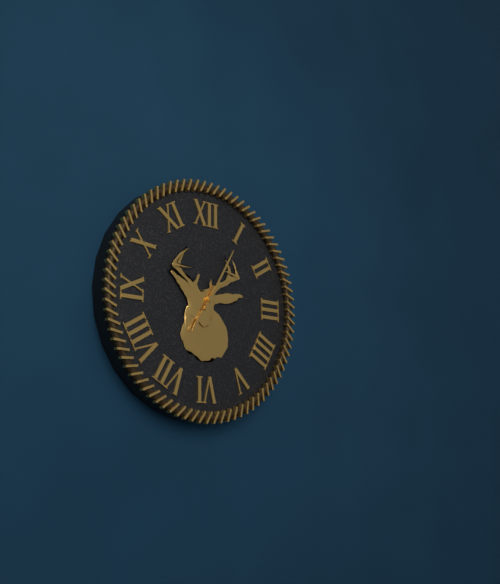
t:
7,05
